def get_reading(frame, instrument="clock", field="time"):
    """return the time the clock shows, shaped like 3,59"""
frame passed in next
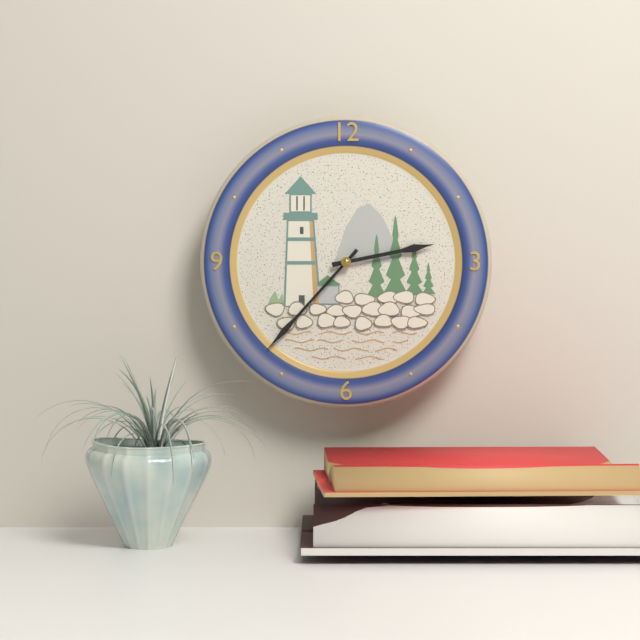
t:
2,37
